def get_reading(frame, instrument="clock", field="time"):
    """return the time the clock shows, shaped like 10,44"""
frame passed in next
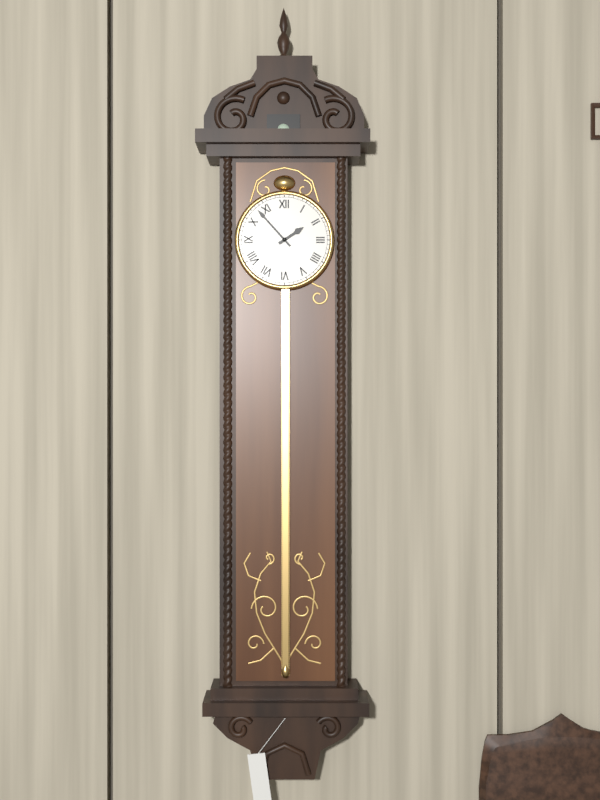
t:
1,53
